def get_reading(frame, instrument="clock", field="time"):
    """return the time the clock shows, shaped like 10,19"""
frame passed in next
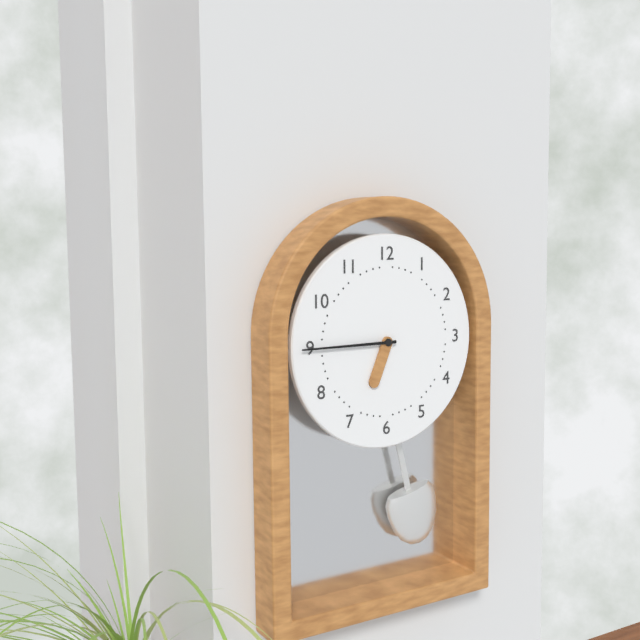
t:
6,45
